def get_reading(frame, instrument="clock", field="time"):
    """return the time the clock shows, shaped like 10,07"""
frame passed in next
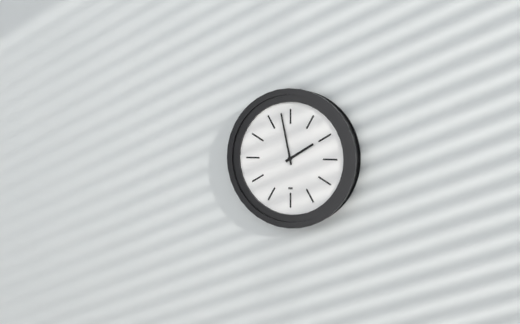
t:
1,58
